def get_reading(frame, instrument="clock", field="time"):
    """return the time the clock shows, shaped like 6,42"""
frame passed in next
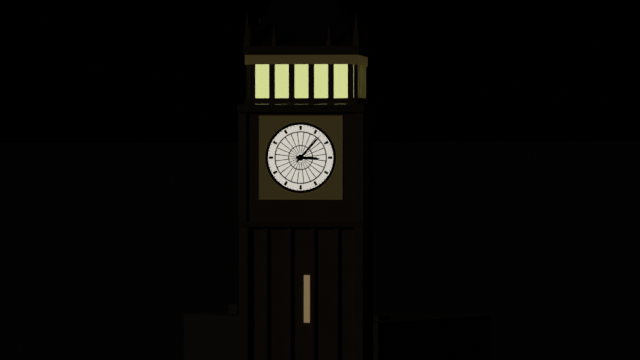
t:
3,07
